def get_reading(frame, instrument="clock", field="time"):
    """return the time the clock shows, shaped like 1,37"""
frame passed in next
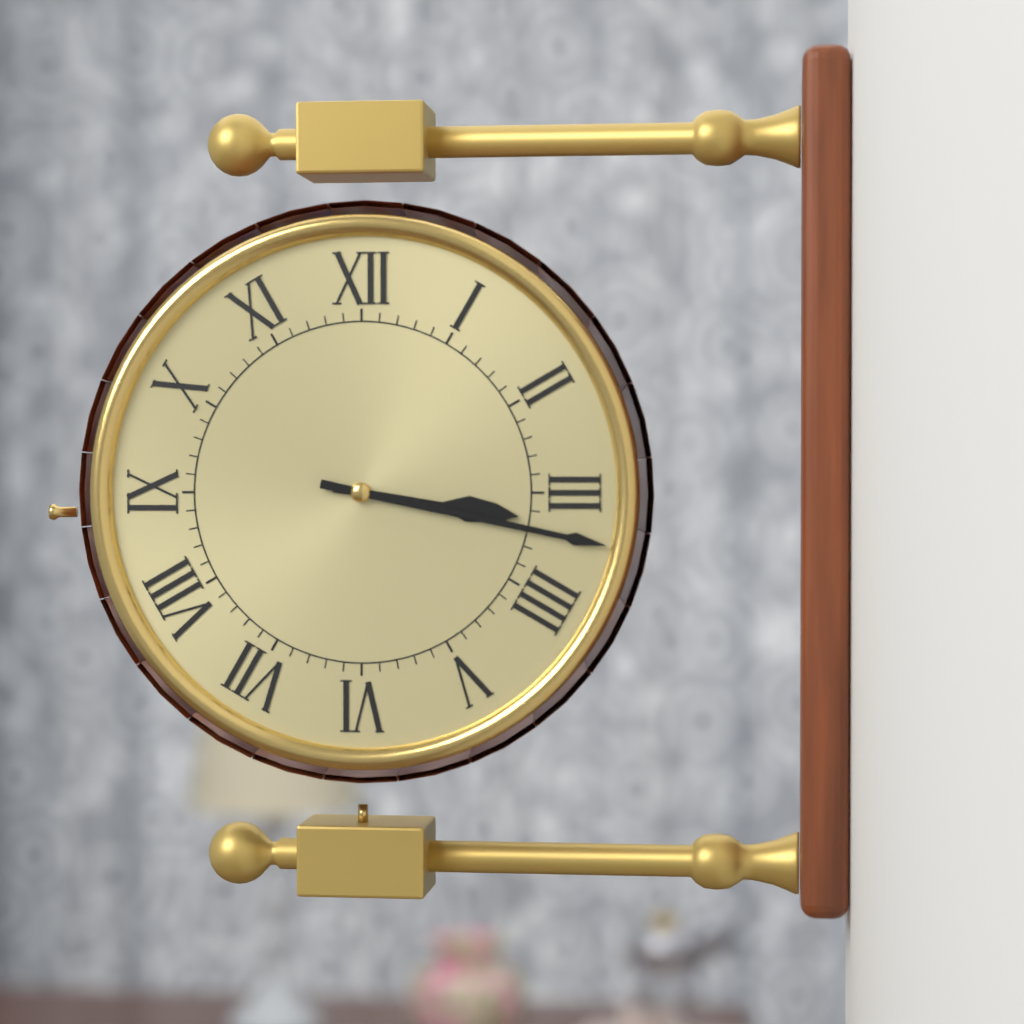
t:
3,17
